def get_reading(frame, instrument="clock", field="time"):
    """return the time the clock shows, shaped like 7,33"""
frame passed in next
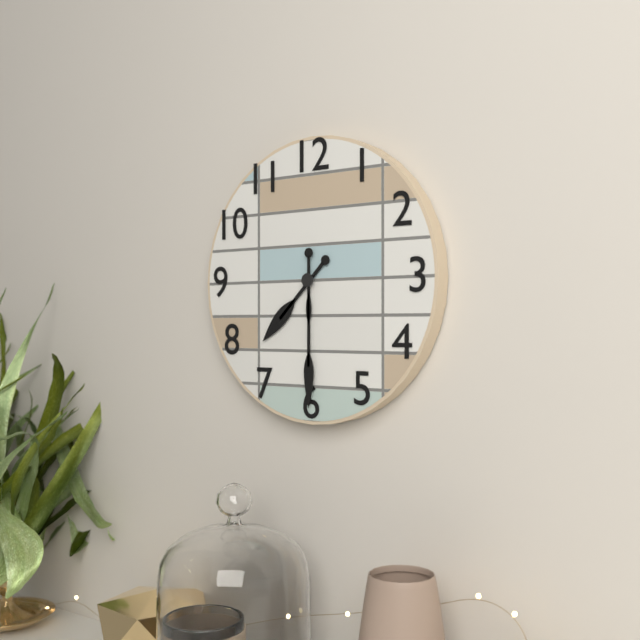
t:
7,30
